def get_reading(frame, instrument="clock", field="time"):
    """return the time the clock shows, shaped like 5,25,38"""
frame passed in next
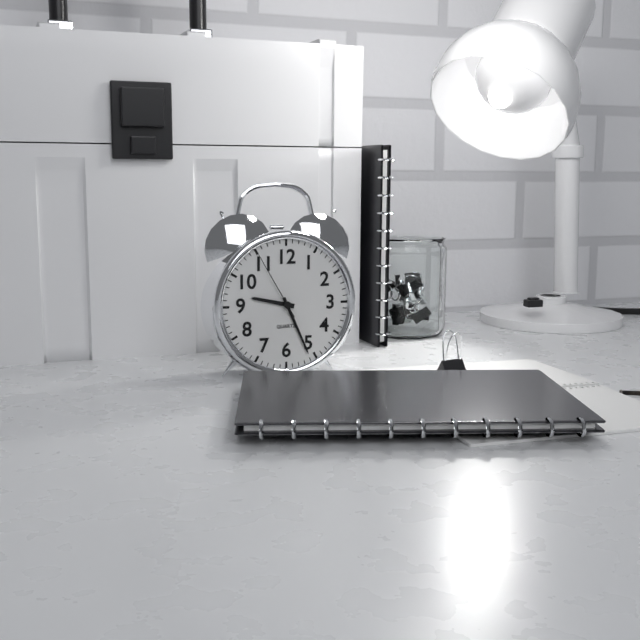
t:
9,26,55
